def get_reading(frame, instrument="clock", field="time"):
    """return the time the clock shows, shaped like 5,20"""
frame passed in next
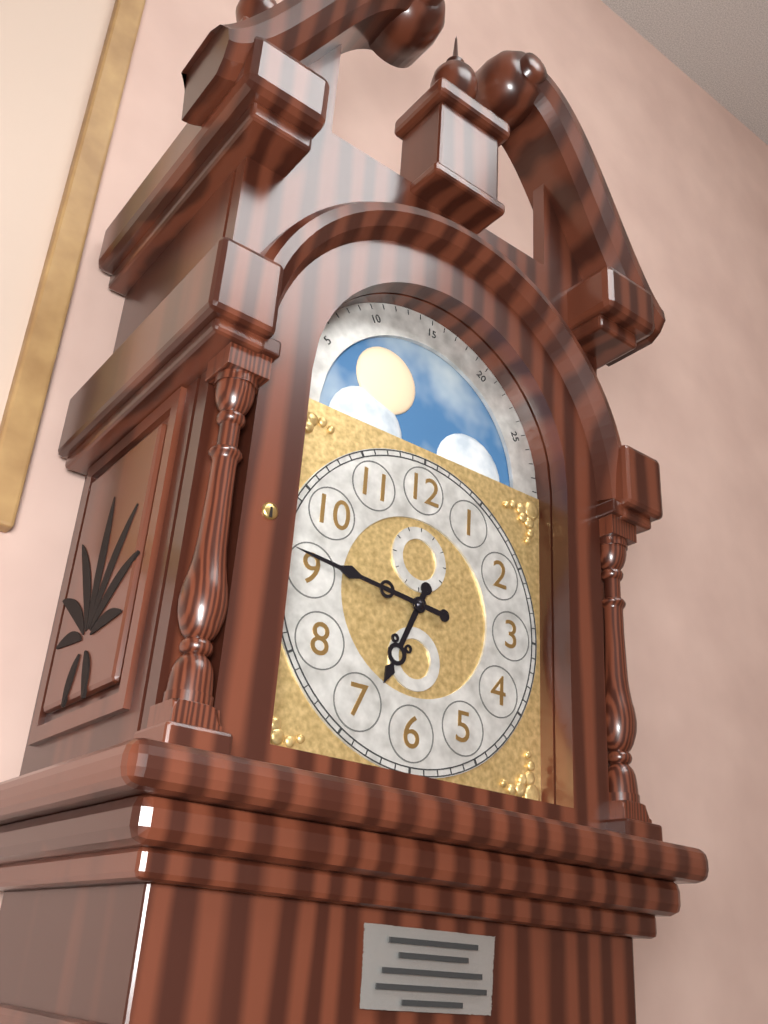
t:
6,46
